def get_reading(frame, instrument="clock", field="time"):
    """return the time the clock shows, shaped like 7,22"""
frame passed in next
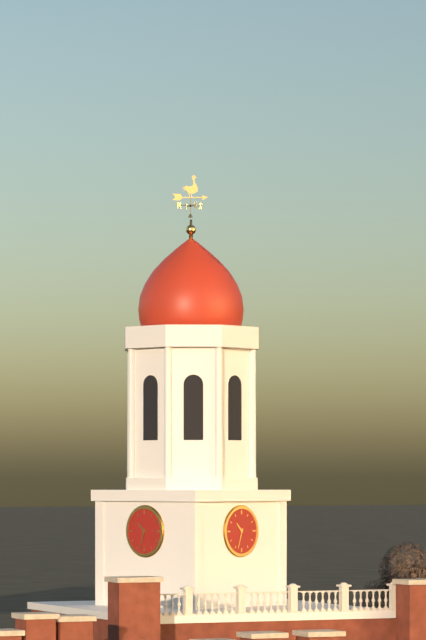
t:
10,33
